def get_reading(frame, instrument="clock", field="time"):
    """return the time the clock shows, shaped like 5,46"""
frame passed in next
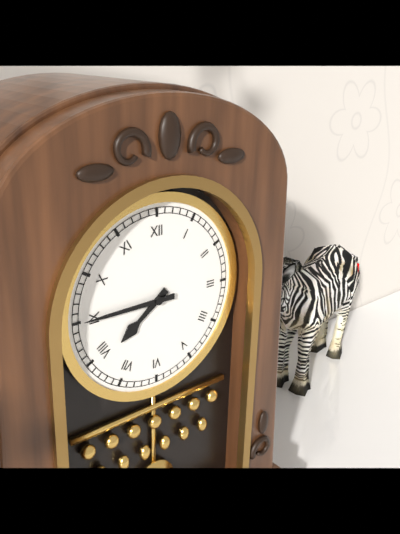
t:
7,45
